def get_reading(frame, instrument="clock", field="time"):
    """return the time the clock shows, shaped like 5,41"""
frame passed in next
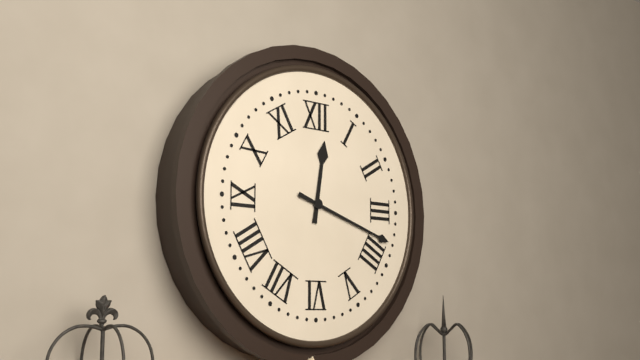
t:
12,18
